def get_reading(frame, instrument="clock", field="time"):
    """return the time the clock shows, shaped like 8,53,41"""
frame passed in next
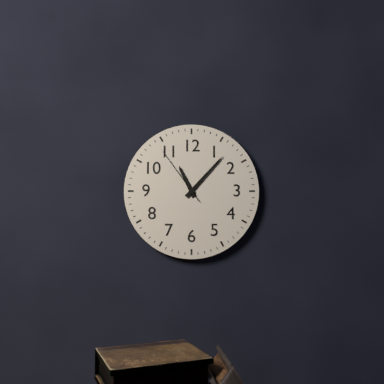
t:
11,07,54
